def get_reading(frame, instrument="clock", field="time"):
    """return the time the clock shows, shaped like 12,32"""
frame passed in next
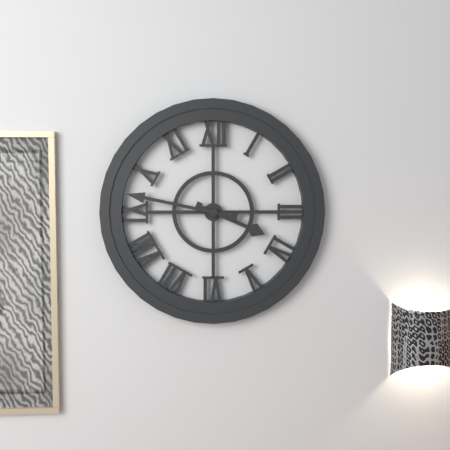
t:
3,47
